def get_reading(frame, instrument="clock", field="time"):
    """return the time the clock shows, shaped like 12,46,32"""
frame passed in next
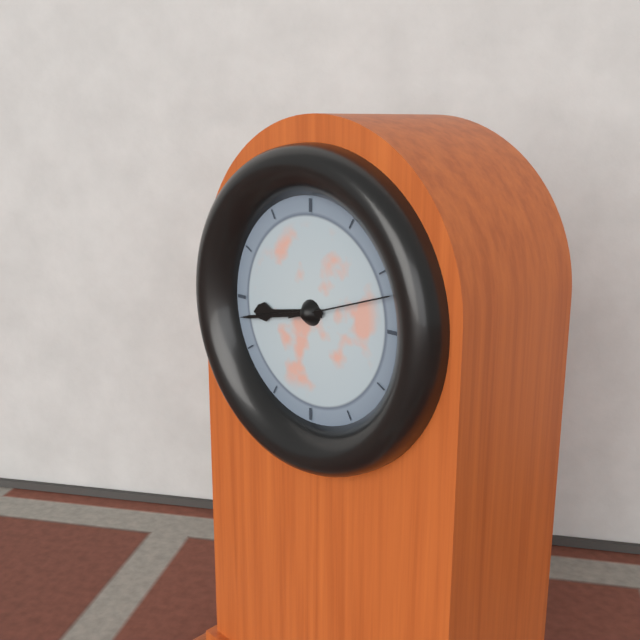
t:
8,43,12
